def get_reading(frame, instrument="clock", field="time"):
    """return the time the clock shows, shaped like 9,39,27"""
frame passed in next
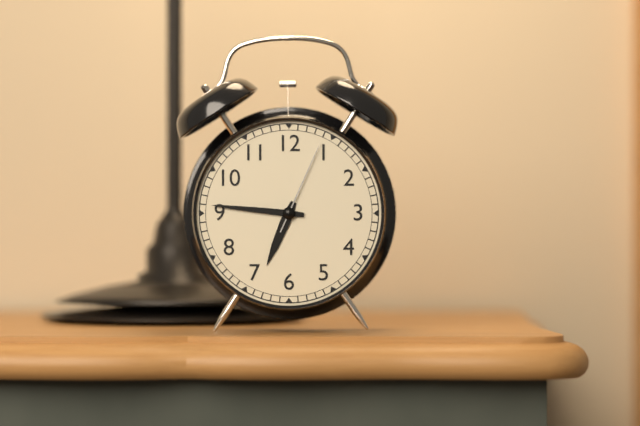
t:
6,46,04
